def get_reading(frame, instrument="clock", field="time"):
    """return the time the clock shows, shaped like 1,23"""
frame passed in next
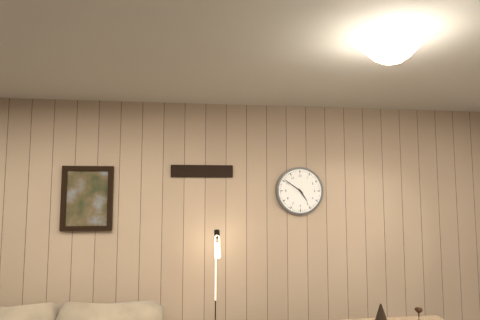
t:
4,51
